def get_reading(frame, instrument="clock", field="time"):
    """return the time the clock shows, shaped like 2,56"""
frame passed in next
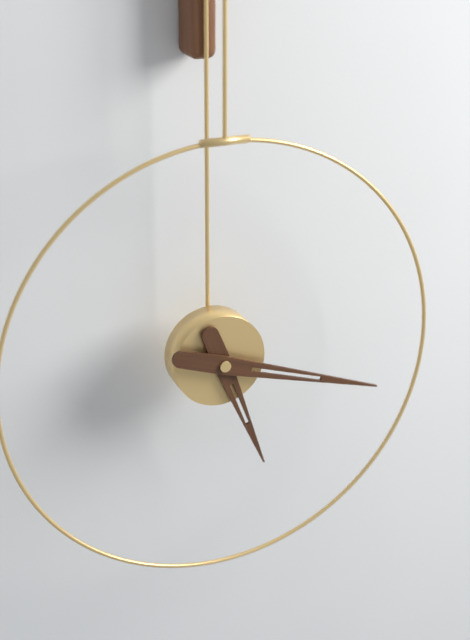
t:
5,18
